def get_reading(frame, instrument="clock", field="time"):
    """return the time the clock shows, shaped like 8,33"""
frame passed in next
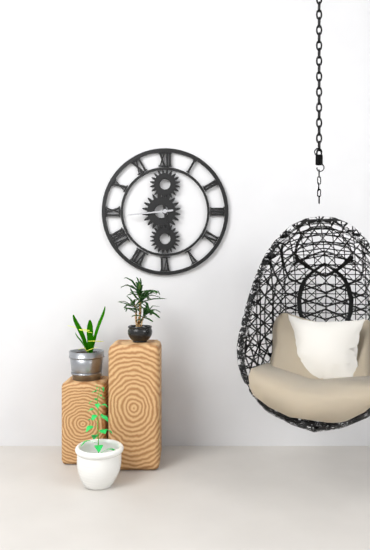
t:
5,44
